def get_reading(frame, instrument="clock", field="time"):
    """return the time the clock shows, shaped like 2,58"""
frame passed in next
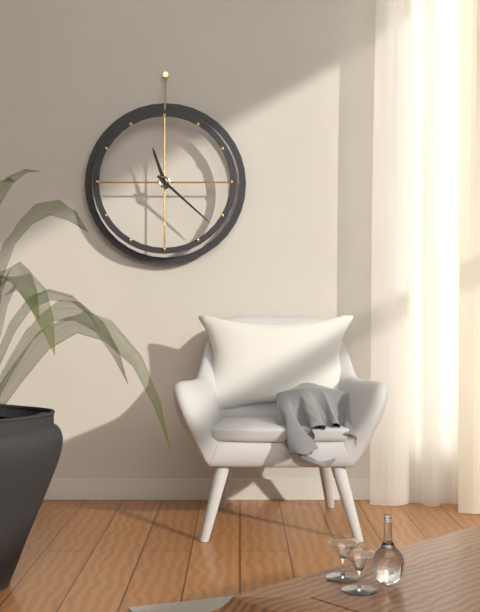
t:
11,22
